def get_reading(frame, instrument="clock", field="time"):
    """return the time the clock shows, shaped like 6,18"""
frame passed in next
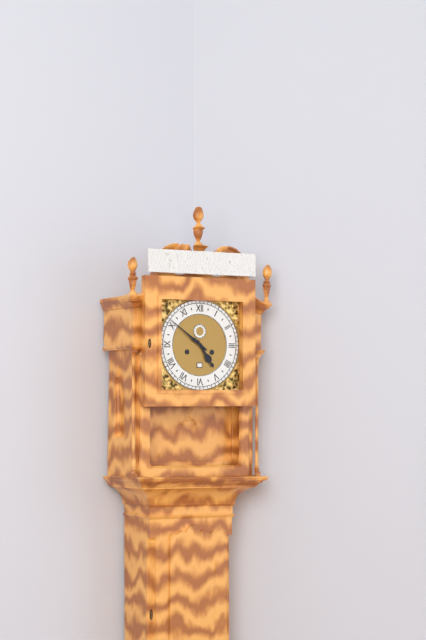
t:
4,51
